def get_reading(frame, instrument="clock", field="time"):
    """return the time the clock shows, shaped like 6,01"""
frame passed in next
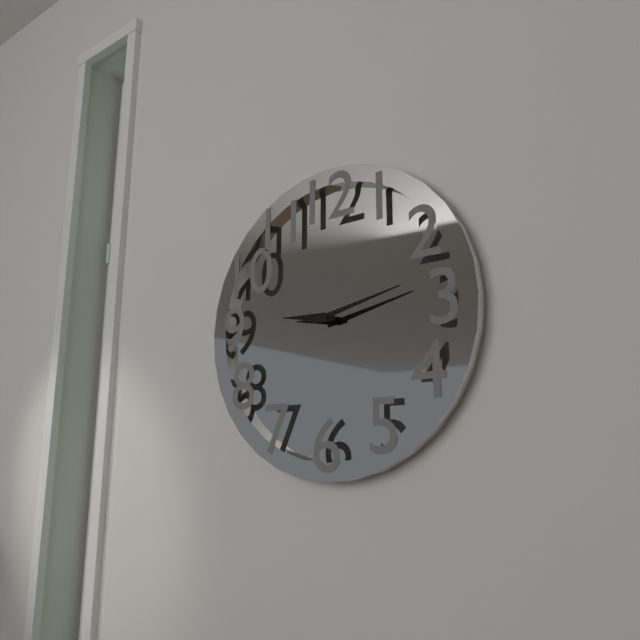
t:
9,13
